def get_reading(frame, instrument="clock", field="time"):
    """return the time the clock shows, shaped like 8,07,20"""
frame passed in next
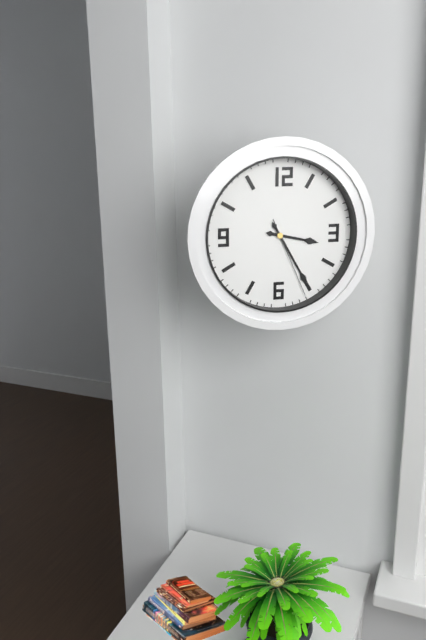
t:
3,25,26
